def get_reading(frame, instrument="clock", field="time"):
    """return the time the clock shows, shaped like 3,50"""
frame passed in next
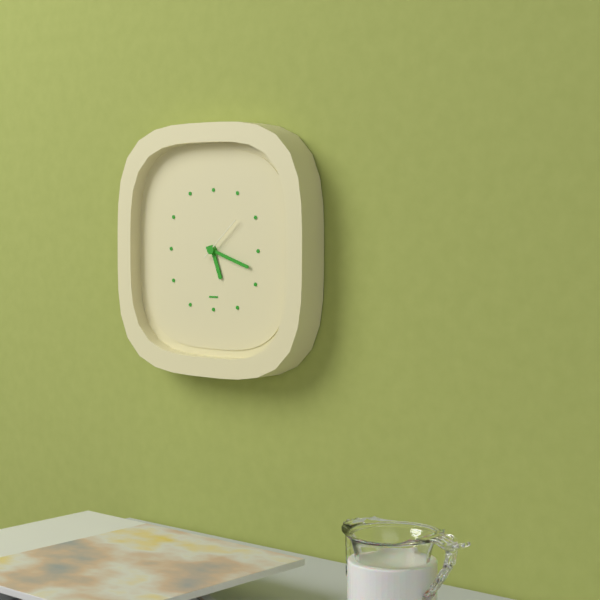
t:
5,18
